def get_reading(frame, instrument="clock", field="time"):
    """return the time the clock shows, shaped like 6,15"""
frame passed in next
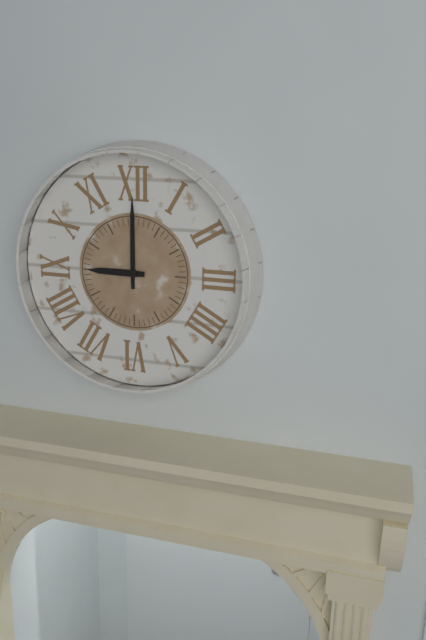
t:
9,00
